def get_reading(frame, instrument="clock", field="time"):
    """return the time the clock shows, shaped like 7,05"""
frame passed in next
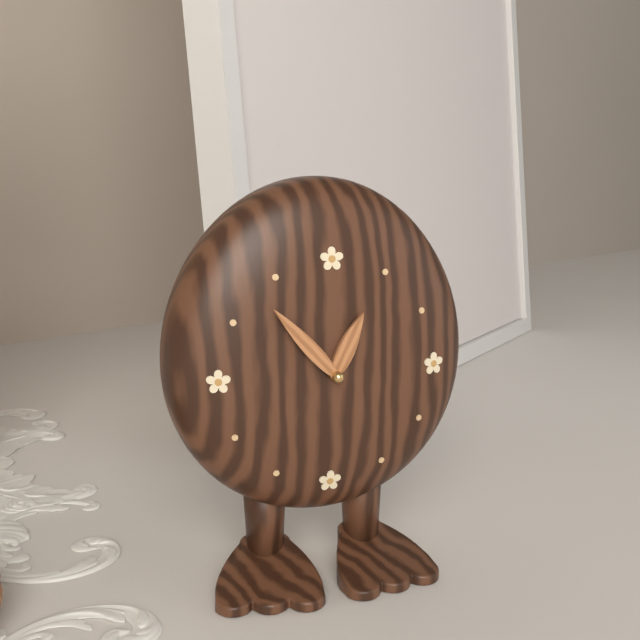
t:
12,53
